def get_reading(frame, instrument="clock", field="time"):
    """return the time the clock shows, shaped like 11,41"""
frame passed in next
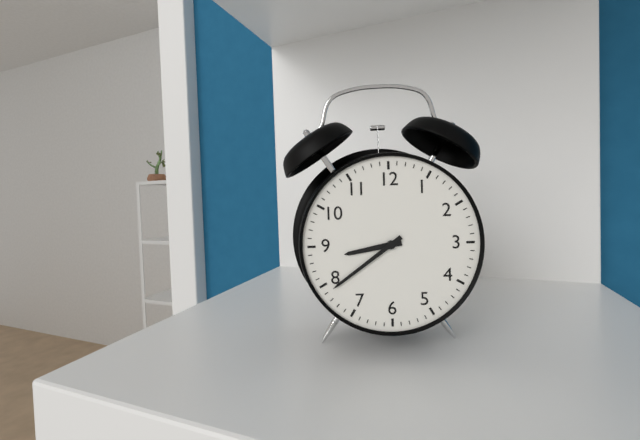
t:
8,39
